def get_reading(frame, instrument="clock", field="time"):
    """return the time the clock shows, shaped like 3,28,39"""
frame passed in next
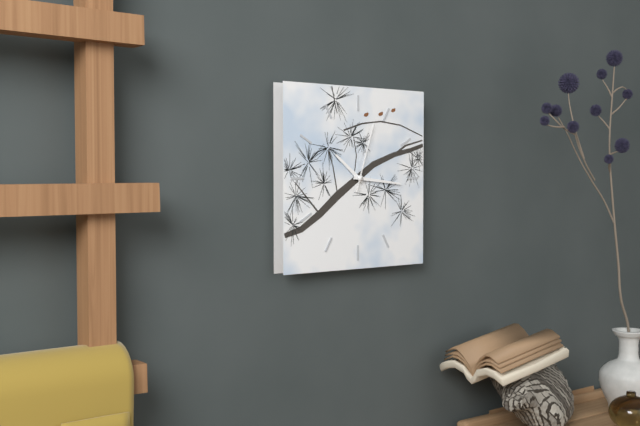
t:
10,16,03
